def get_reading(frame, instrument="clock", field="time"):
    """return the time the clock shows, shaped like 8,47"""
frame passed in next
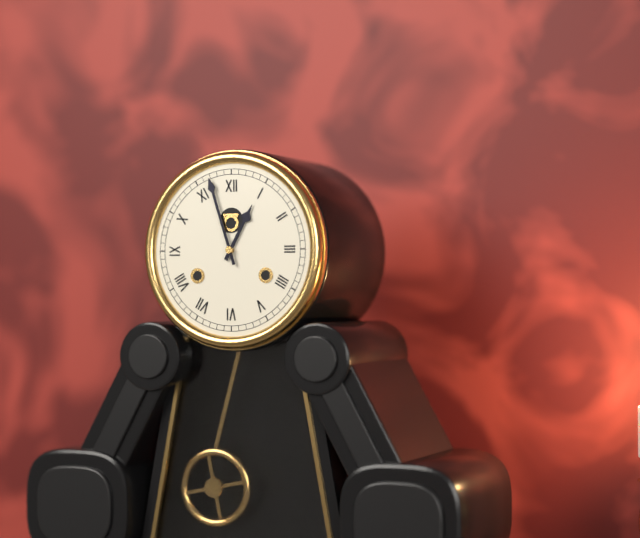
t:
12,57
